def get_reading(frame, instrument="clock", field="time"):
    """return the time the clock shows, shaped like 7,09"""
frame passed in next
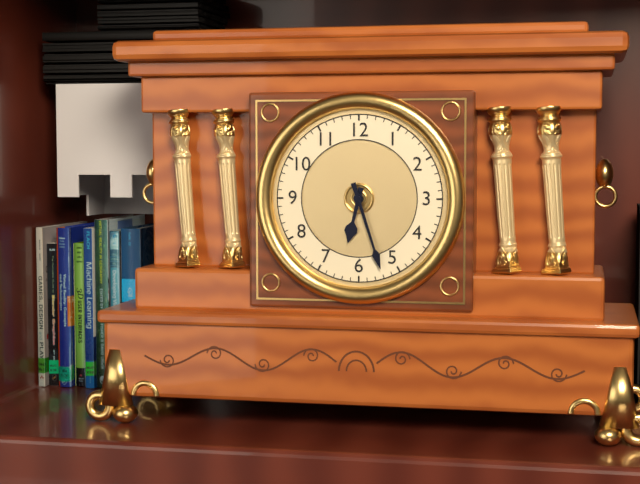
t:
6,27
